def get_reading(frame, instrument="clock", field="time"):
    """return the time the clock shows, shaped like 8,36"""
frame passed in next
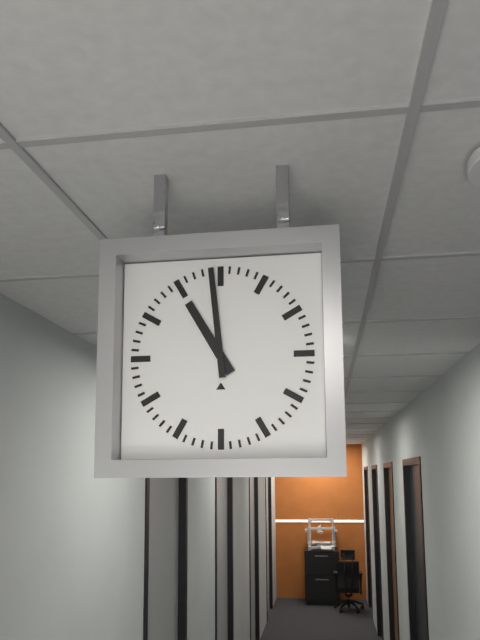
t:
10,59
